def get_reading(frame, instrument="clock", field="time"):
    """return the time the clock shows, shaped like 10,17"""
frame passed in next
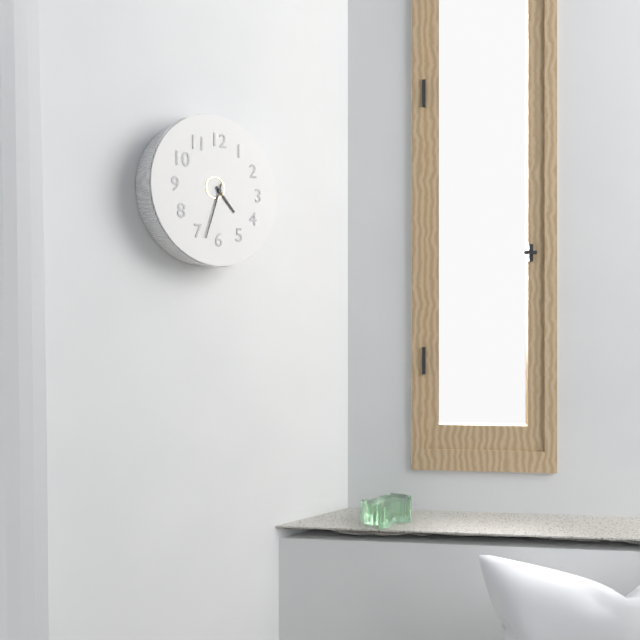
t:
4,33
